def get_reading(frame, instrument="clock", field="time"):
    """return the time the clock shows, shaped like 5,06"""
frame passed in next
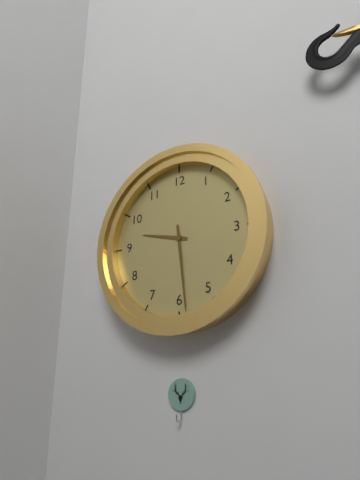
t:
9,29
